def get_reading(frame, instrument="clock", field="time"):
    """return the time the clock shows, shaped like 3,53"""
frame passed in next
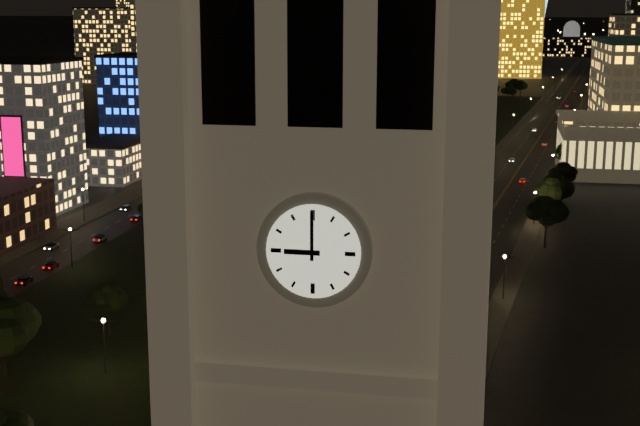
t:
9,00
